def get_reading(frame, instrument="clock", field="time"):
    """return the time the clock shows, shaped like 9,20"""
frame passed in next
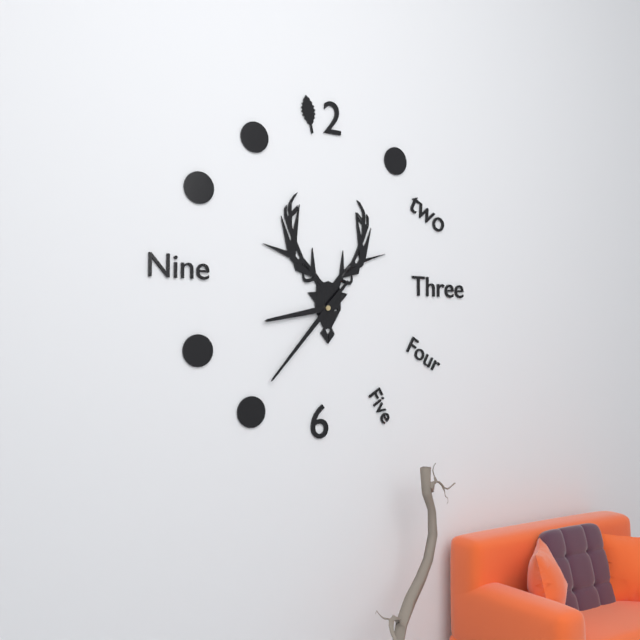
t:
8,37
